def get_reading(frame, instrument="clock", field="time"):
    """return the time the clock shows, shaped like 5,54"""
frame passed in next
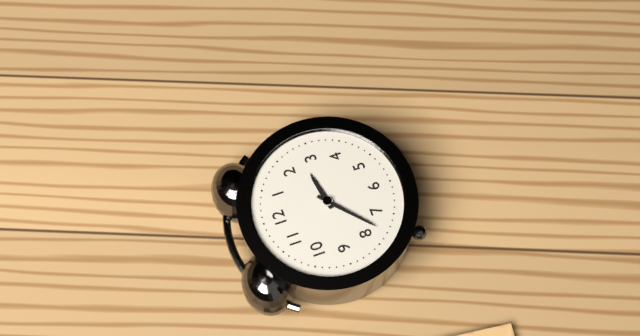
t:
2,38
